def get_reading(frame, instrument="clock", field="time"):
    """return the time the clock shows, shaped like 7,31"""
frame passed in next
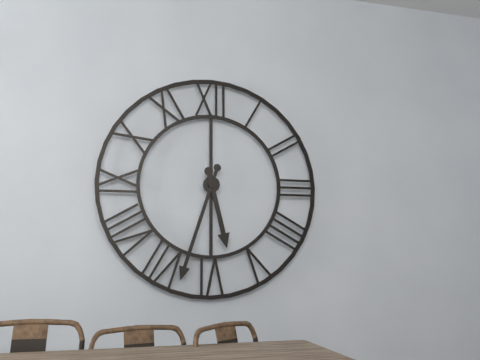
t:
5,33
